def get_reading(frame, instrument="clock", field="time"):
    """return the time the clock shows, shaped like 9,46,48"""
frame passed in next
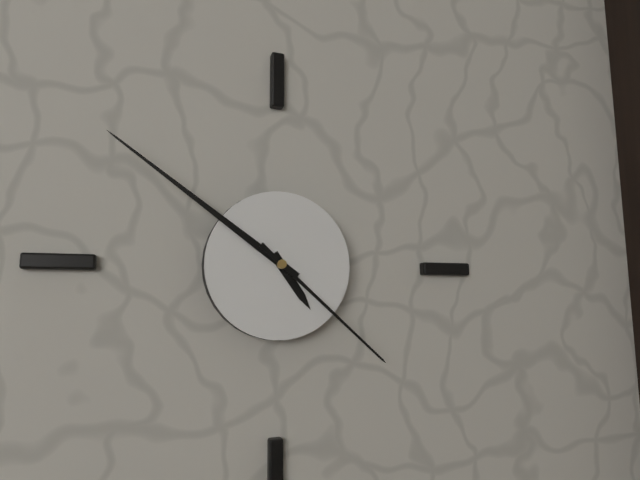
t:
4,51,22
